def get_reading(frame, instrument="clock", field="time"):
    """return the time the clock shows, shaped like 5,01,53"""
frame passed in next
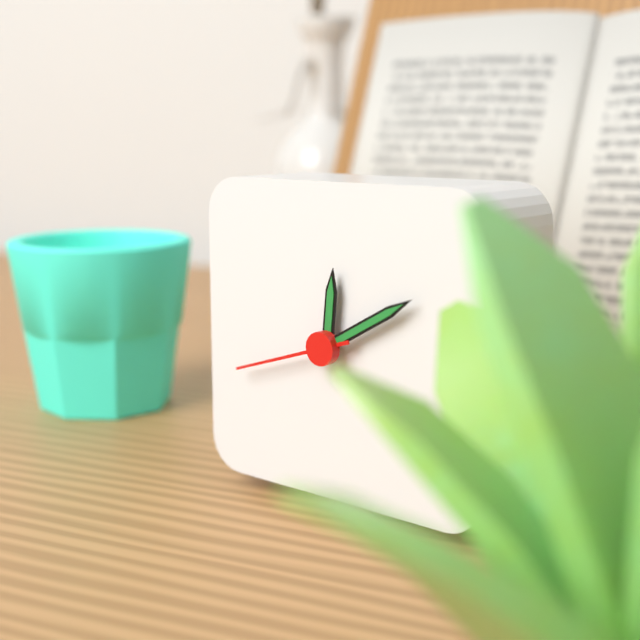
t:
12,10,42
